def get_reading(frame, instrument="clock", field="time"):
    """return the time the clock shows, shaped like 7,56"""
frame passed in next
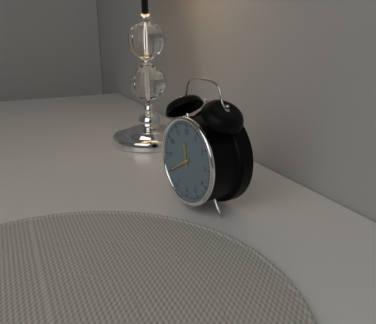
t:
11,40
